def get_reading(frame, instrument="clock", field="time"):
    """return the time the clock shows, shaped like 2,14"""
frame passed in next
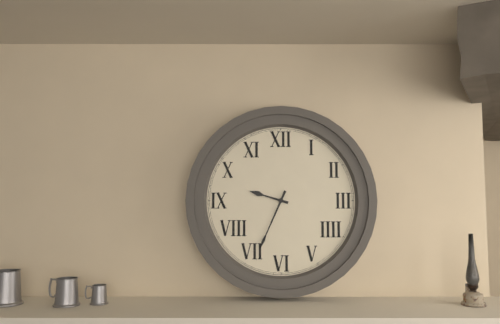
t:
9,34
